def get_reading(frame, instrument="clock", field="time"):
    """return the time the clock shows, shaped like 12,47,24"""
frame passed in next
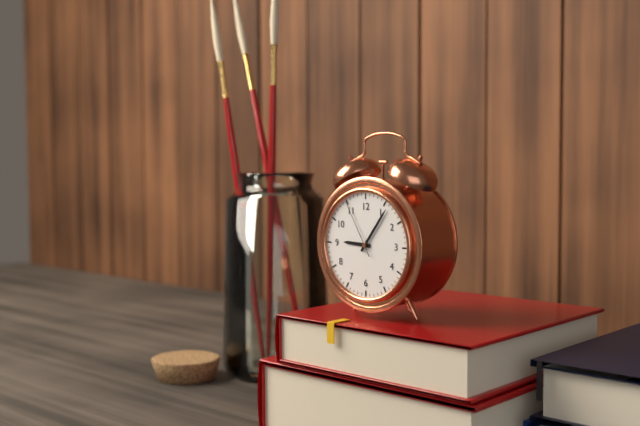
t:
9,06,55
